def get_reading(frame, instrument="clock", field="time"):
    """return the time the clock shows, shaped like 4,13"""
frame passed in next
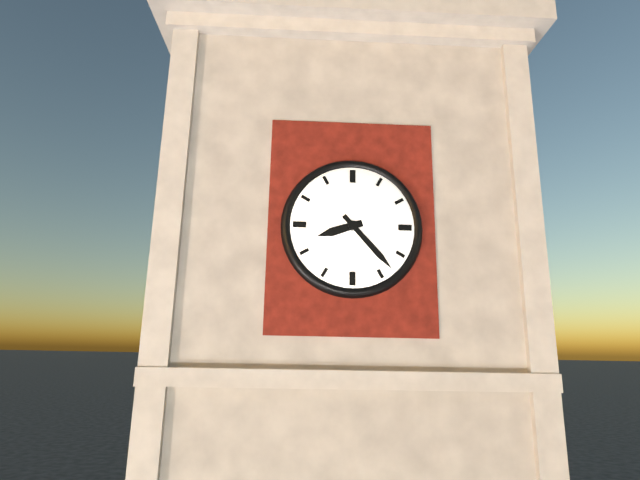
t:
8,23
